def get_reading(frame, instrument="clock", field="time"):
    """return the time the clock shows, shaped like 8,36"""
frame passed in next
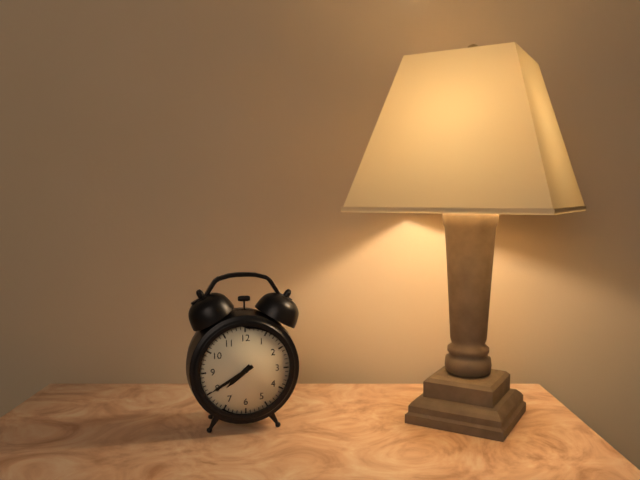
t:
7,40
